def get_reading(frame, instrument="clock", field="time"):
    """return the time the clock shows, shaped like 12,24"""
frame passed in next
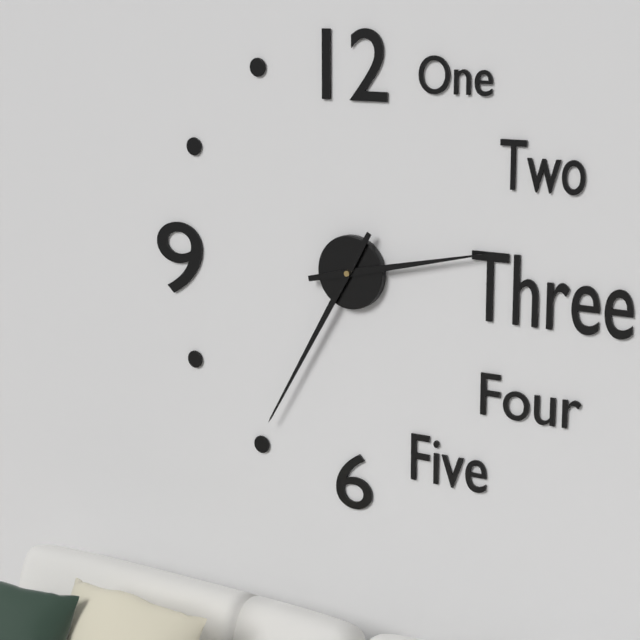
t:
2,35
